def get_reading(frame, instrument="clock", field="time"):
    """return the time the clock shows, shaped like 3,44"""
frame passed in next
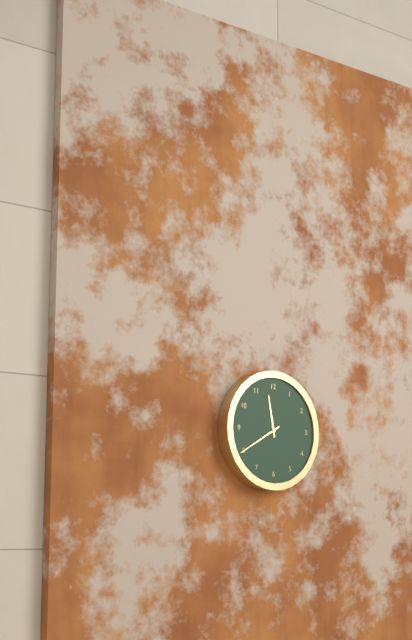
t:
11,40
